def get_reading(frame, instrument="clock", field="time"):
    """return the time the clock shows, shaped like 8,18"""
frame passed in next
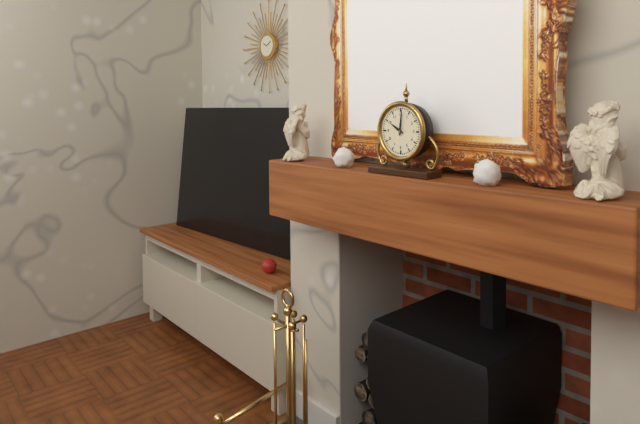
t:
10,01
